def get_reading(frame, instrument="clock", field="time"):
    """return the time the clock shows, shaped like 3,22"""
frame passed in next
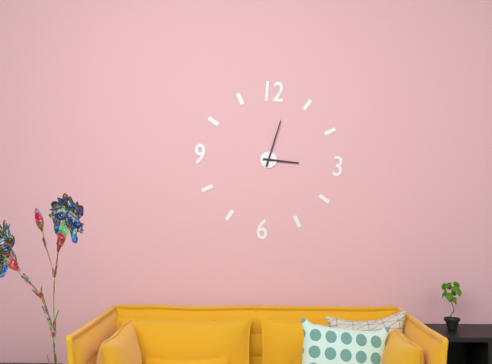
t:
3,02
